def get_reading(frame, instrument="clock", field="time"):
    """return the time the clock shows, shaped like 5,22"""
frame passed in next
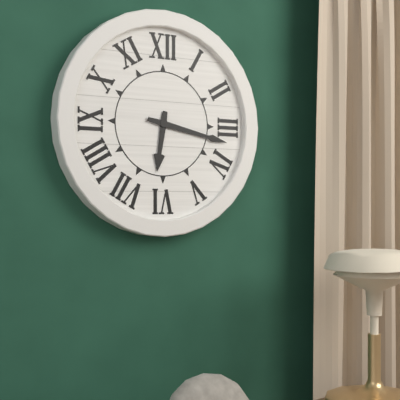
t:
6,17
